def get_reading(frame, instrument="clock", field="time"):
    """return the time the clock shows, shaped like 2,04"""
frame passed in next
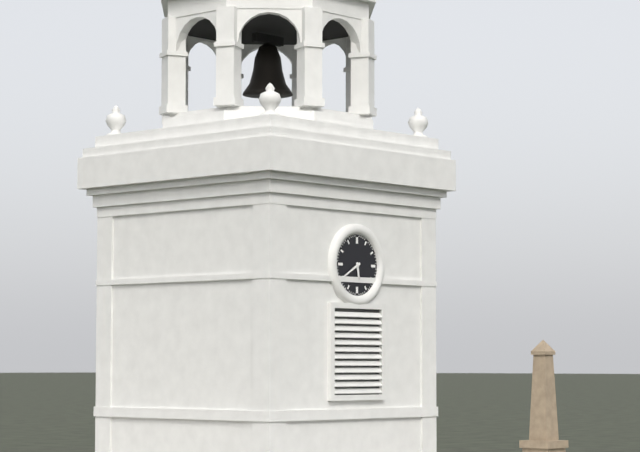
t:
5,40
